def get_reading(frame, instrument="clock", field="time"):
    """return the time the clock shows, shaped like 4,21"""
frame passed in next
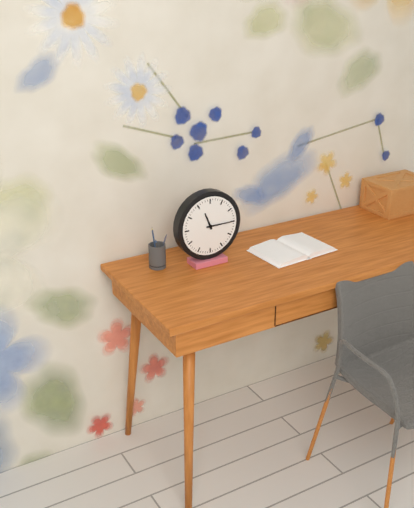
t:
11,15
